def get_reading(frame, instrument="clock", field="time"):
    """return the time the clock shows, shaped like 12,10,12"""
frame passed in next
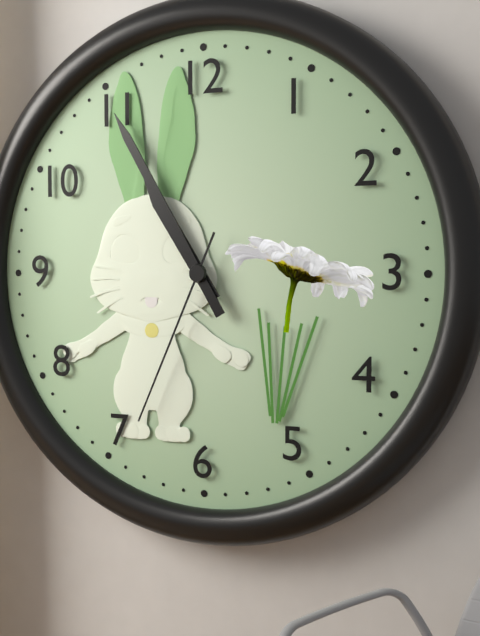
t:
10,55,34
